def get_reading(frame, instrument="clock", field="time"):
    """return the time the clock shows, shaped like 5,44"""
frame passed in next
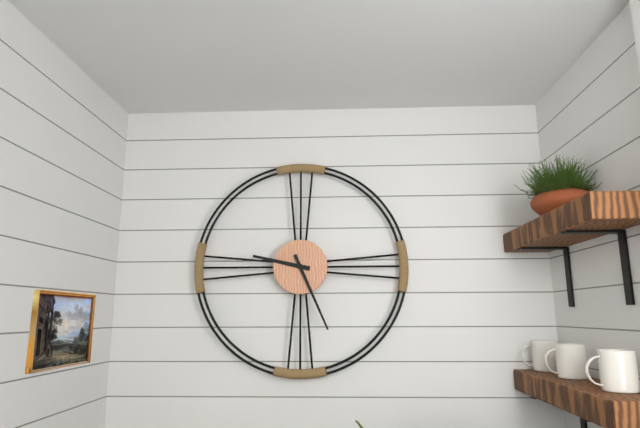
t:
9,26
